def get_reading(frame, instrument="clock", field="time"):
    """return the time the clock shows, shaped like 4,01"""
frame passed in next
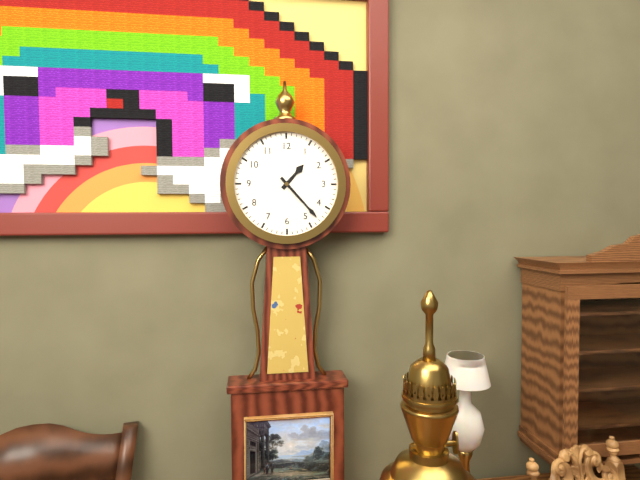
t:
1,23
